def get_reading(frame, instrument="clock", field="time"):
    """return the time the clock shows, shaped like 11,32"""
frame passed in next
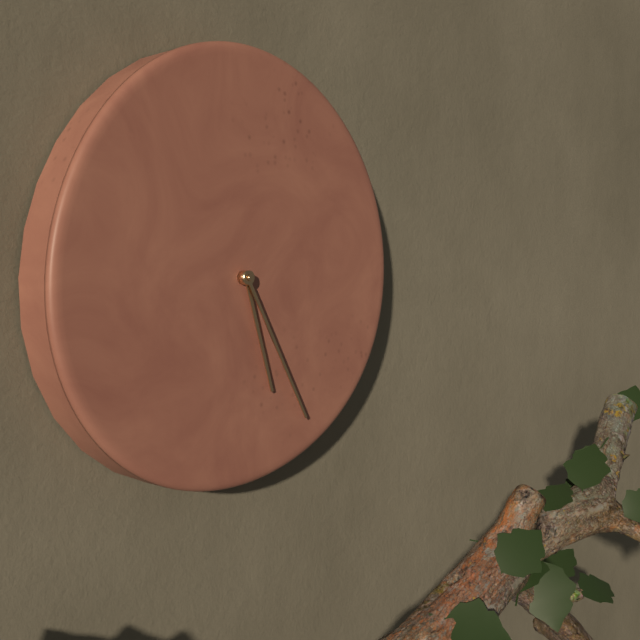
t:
5,25
